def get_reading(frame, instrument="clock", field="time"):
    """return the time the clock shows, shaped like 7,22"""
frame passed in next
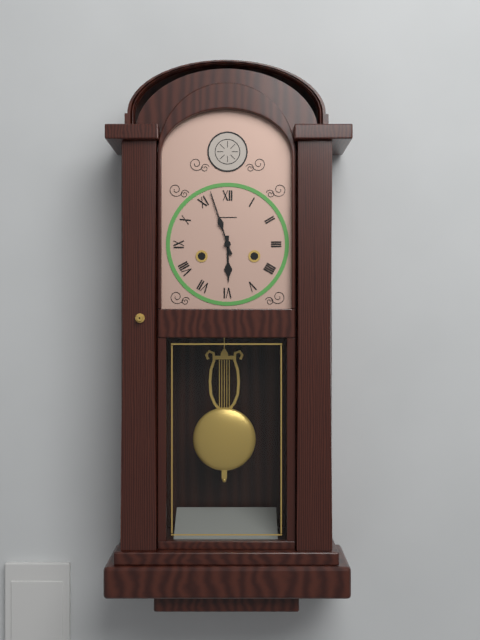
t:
5,57
